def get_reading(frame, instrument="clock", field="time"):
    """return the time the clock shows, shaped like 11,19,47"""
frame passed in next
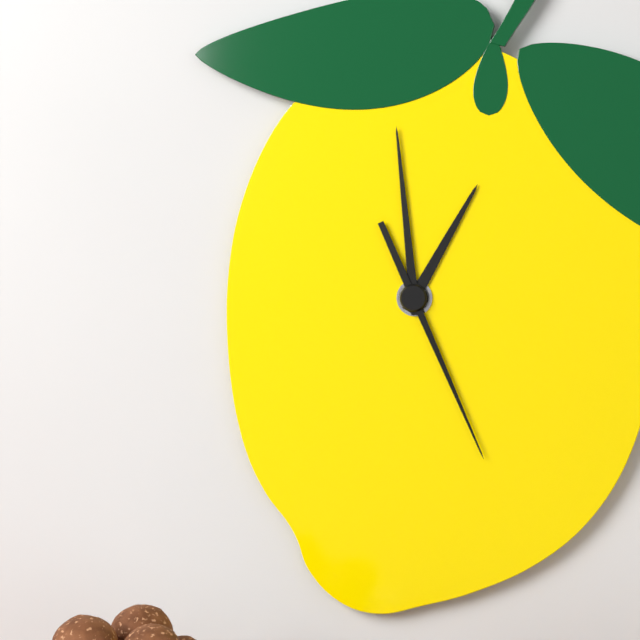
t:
12,59,26
